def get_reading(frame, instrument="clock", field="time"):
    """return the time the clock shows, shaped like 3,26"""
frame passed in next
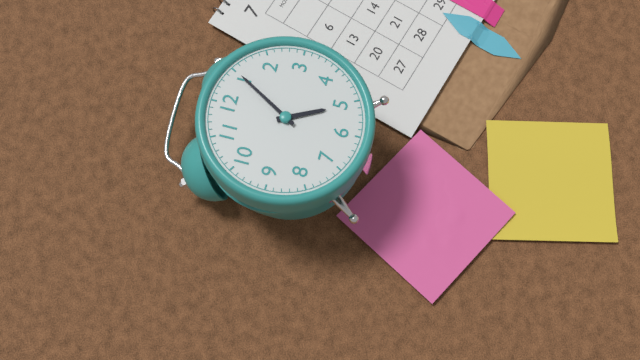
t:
5,05
